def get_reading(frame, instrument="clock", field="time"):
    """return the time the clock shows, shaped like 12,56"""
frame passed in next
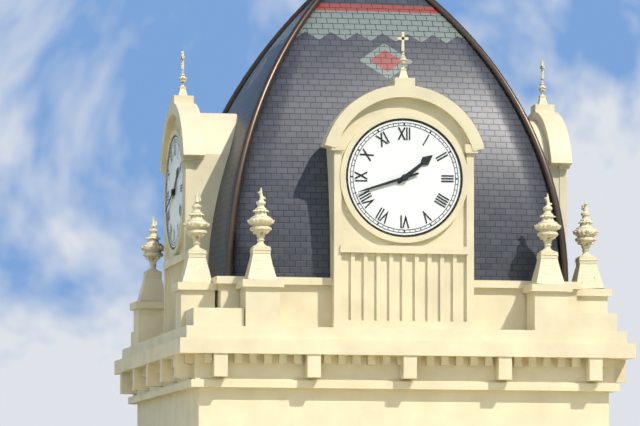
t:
1,42
